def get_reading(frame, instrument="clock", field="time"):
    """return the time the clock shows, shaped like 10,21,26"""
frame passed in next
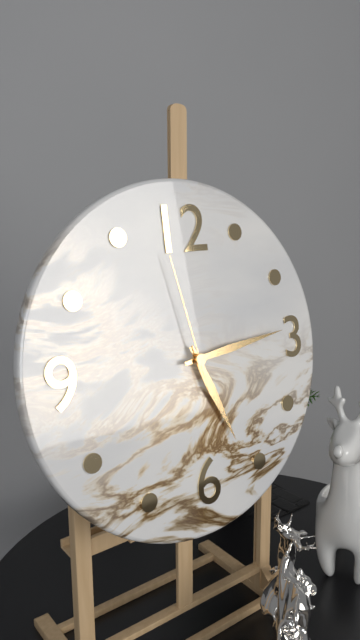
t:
5,14,58
